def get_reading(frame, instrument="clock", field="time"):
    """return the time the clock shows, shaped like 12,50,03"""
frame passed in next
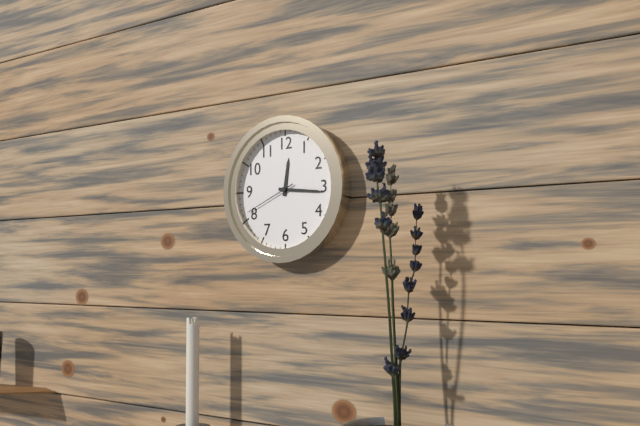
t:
12,16,41
